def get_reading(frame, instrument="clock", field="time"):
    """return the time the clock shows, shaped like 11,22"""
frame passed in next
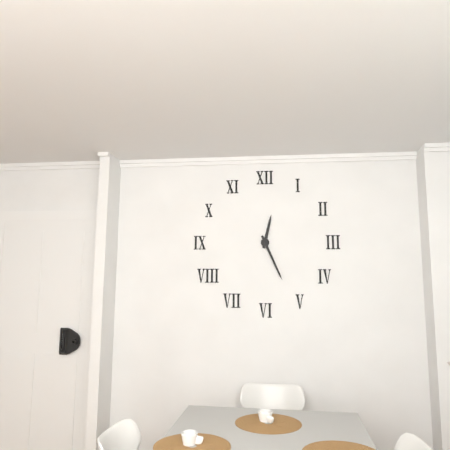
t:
12,26
